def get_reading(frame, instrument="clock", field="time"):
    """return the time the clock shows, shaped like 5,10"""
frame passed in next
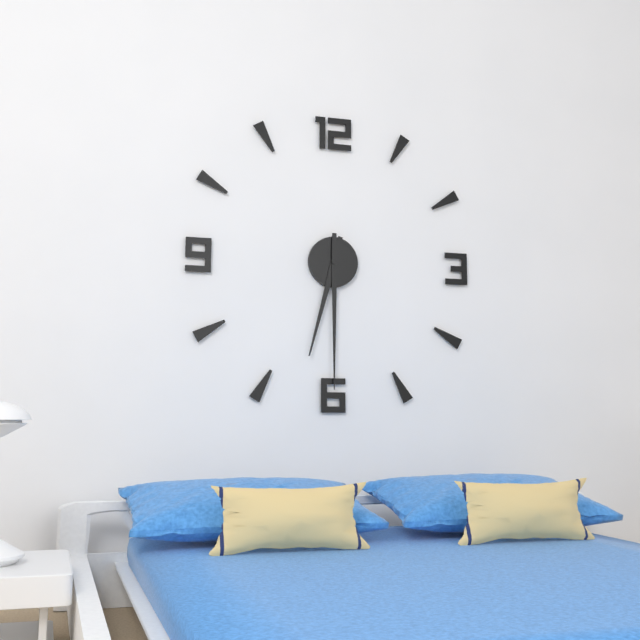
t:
6,30
